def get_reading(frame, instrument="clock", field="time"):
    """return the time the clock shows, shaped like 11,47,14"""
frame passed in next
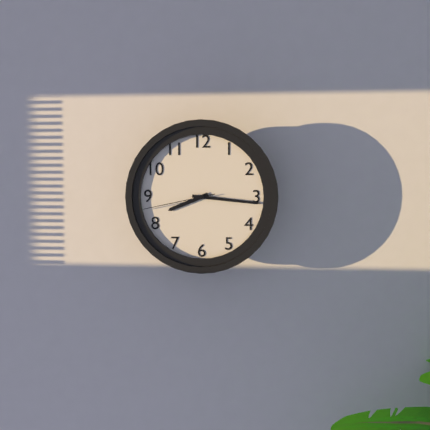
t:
8,16,43
